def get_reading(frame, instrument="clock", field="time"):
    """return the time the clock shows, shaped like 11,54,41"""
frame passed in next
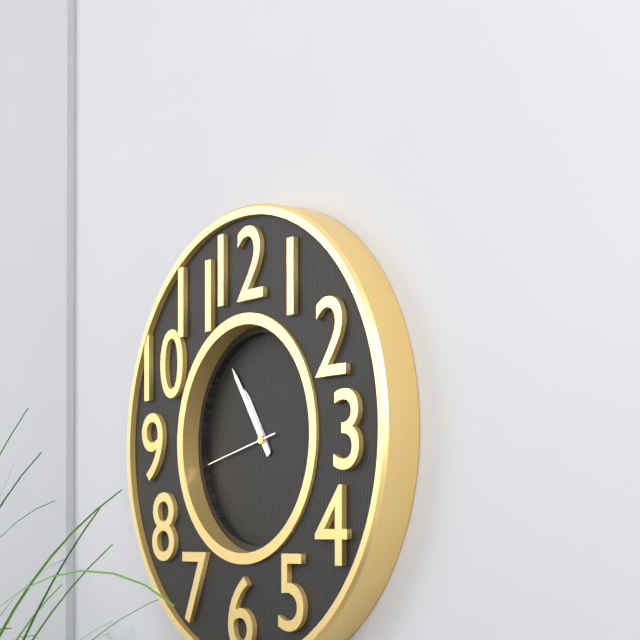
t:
10,54,43
